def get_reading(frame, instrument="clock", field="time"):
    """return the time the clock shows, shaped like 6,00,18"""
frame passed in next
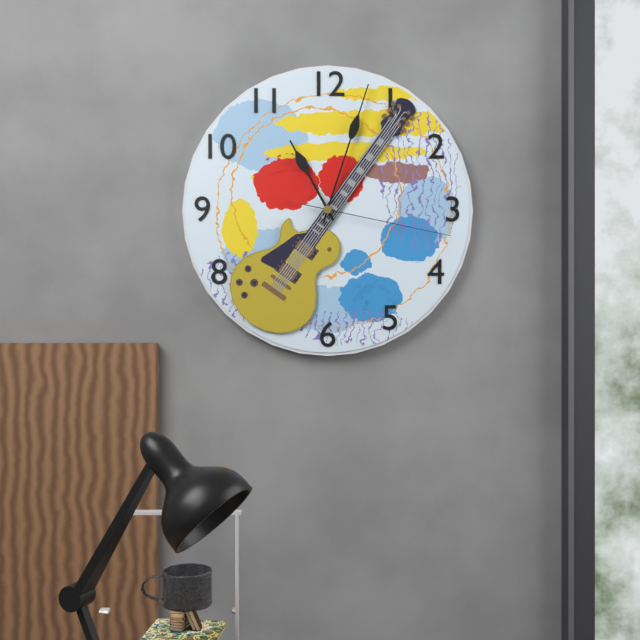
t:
11,03,17
